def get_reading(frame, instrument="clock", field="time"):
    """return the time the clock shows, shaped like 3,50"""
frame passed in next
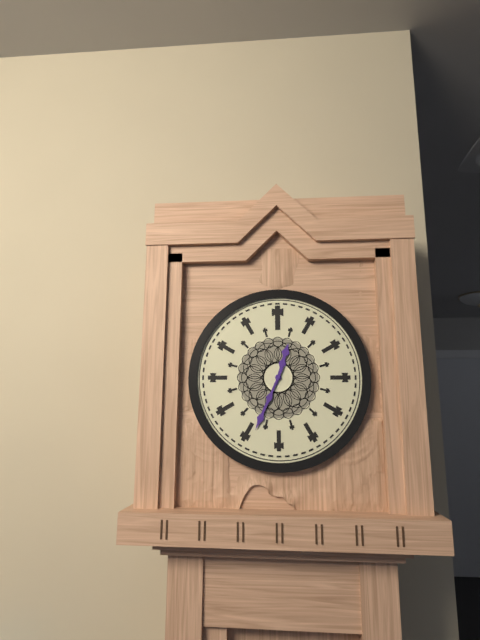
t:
12,34
